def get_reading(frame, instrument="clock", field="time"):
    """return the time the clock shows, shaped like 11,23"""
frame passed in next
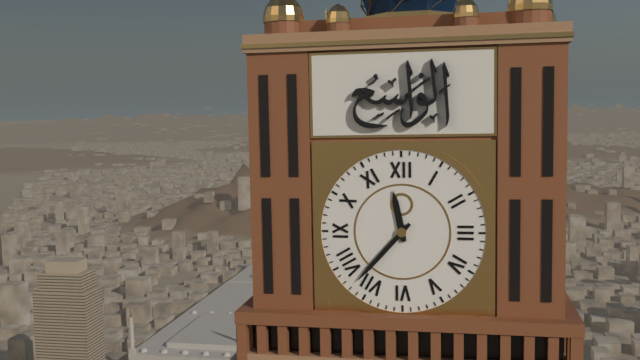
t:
11,37
